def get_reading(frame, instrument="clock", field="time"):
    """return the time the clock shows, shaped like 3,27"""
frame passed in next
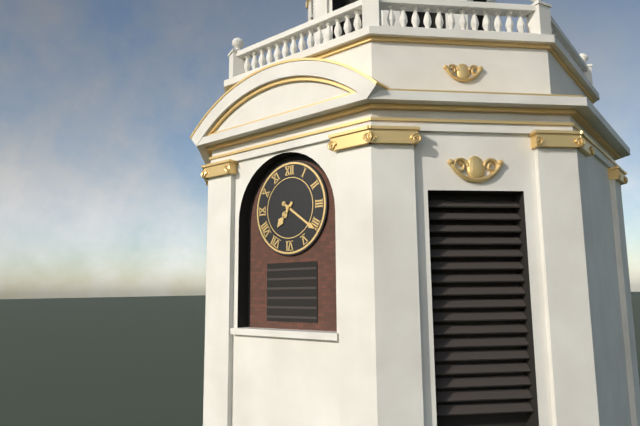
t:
7,21
